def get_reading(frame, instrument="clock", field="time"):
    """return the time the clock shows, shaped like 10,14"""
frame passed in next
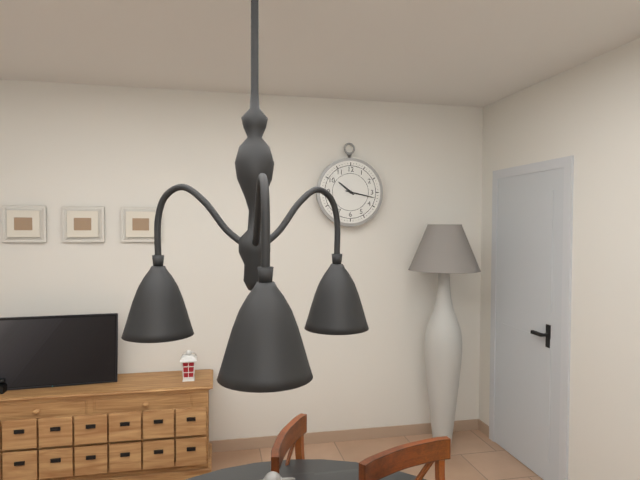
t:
10,17
